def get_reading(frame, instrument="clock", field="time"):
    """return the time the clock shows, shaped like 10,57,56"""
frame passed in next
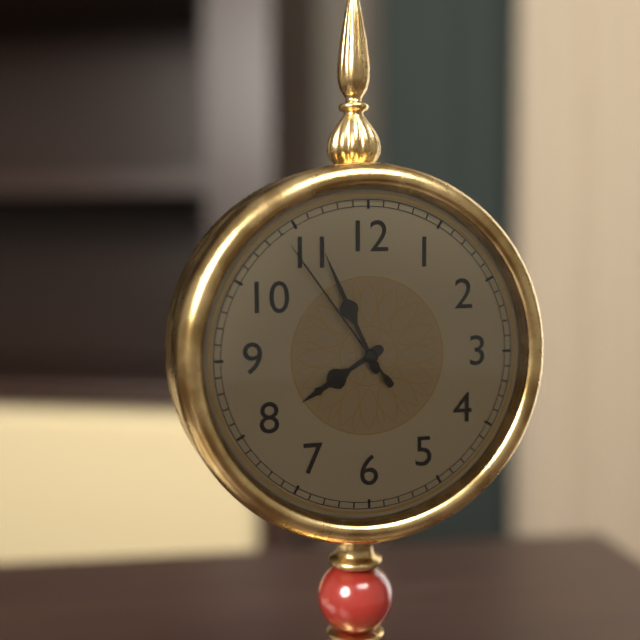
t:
7,56,54
